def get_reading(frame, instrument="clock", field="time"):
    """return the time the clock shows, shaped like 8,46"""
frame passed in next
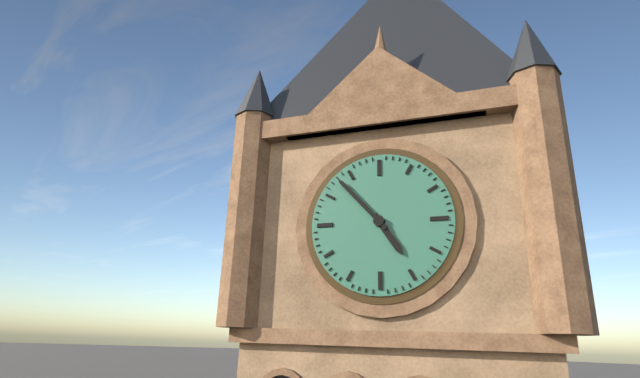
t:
4,53
